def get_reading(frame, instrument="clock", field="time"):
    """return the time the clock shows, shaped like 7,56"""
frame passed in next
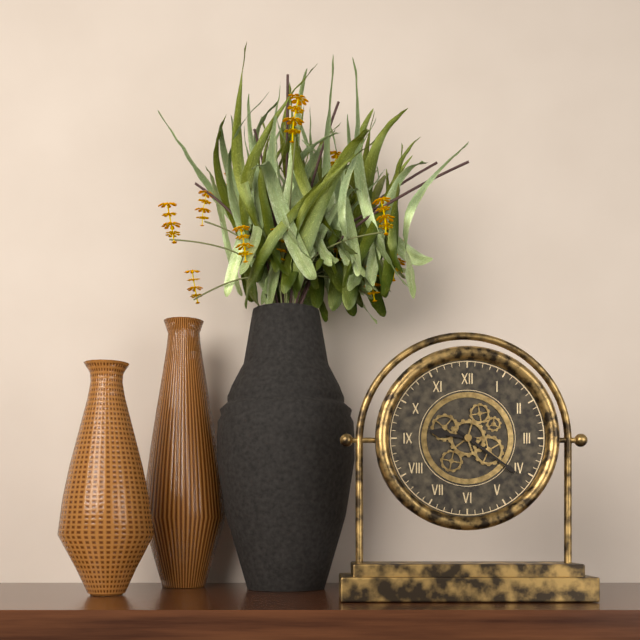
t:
9,21
